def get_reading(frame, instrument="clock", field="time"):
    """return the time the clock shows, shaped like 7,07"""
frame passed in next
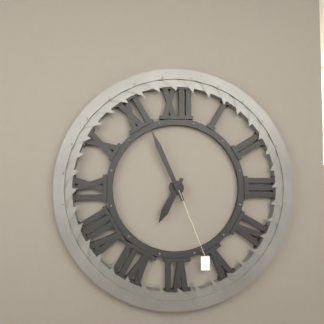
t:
6,56
